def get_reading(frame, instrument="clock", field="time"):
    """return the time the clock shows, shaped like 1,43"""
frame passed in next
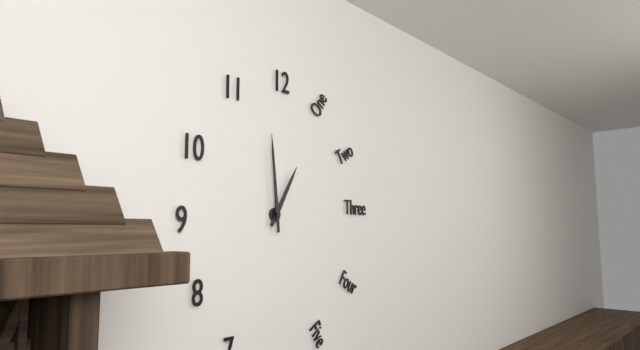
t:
12,59
